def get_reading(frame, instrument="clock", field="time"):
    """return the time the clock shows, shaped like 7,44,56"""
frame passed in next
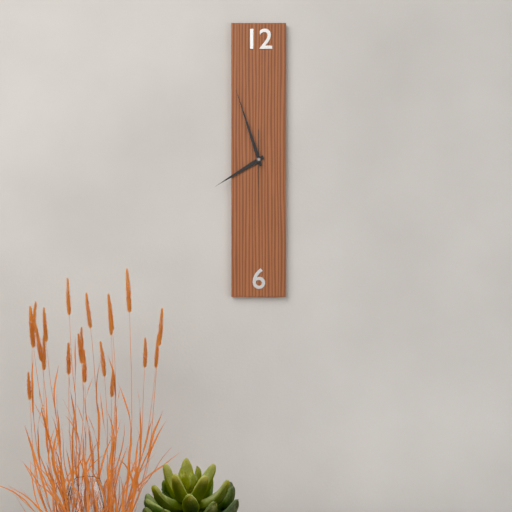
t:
7,57,30
